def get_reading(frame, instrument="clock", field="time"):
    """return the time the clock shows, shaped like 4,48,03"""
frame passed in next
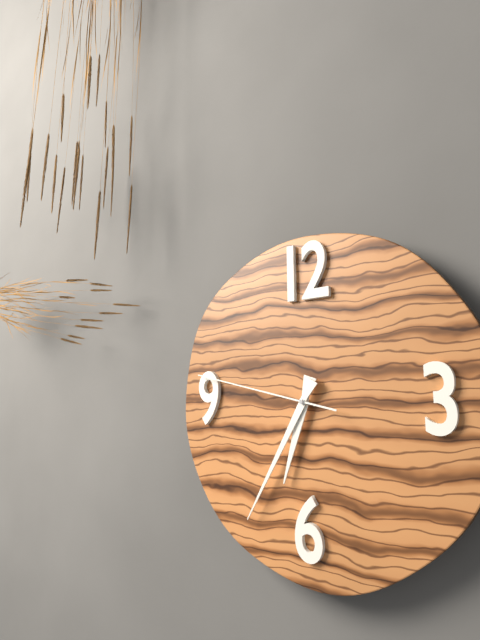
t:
6,35,47
